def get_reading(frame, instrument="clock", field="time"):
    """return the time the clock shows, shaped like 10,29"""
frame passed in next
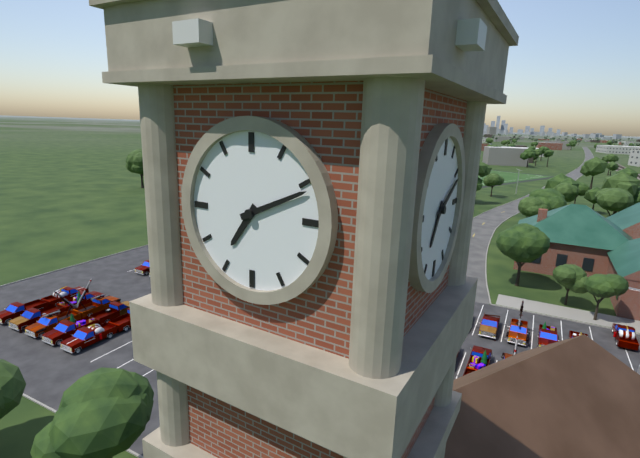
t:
7,11
